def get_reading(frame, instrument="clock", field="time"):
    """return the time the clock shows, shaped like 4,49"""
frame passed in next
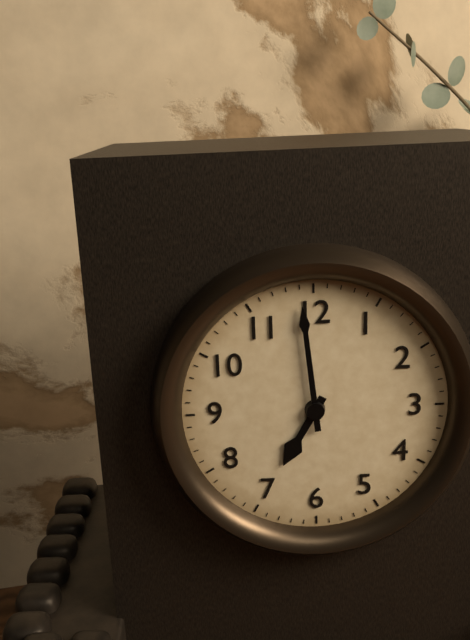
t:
6,59
